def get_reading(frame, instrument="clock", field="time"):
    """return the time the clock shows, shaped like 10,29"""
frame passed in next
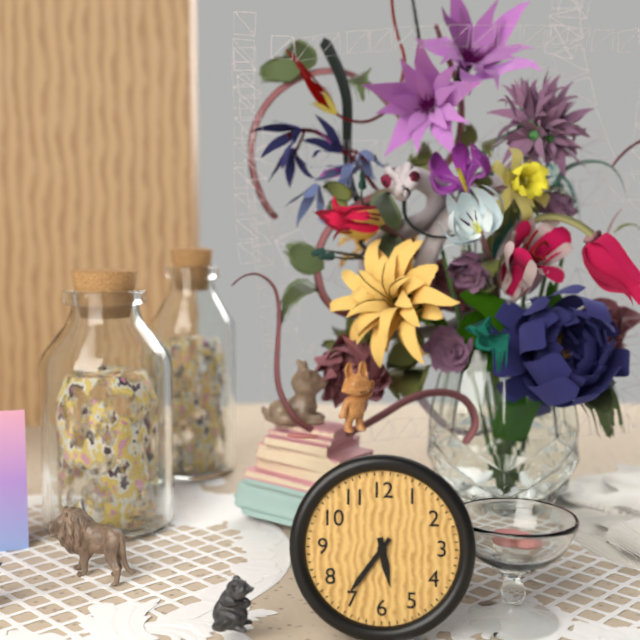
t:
5,36
